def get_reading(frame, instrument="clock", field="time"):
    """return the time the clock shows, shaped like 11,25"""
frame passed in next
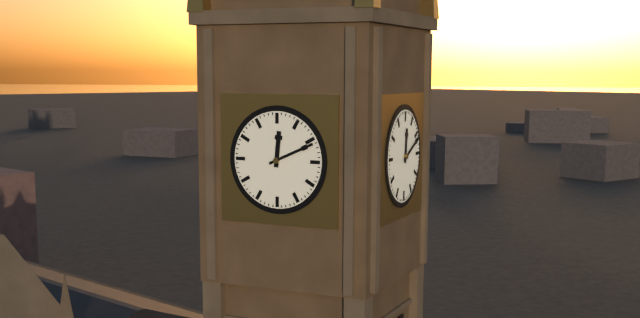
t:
12,11
